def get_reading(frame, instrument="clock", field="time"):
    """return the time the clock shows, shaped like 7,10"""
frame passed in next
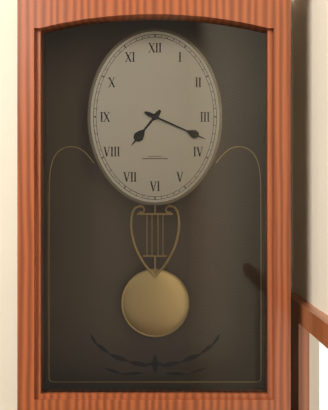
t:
7,19
